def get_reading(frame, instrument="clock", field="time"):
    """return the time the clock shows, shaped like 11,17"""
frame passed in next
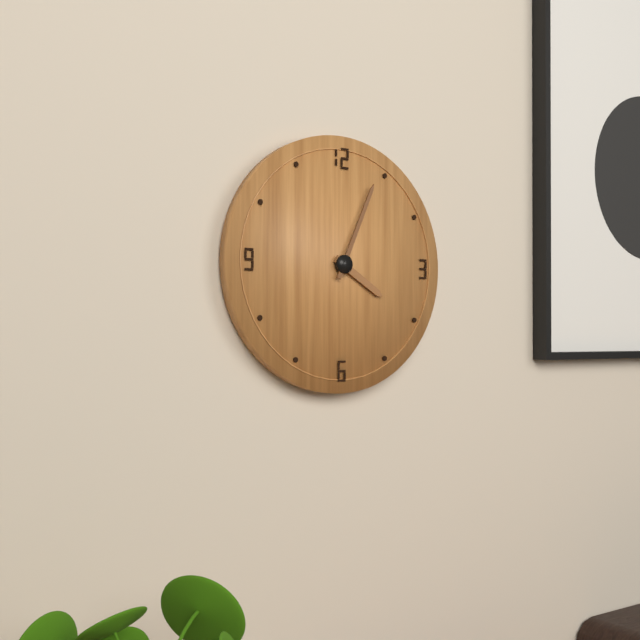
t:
4,04
